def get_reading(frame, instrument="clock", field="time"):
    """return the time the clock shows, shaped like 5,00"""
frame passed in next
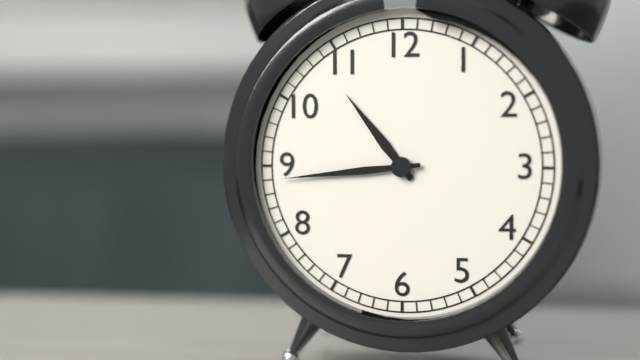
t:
10,44
